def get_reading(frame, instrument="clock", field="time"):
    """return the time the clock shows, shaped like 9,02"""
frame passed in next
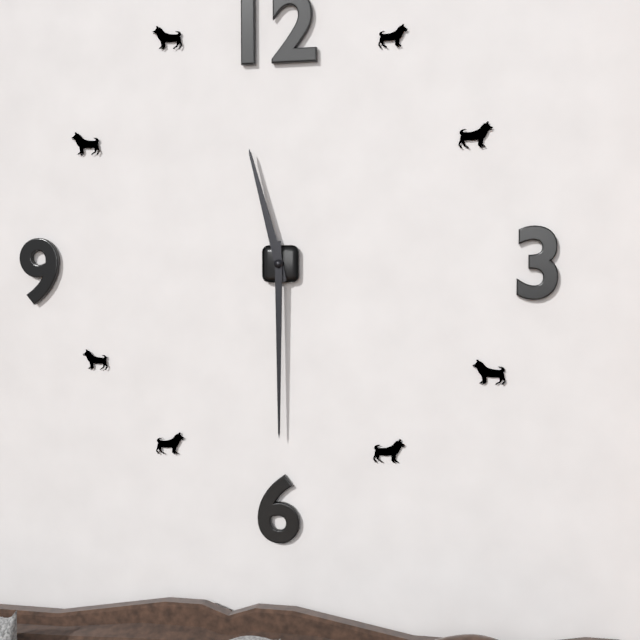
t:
11,30
